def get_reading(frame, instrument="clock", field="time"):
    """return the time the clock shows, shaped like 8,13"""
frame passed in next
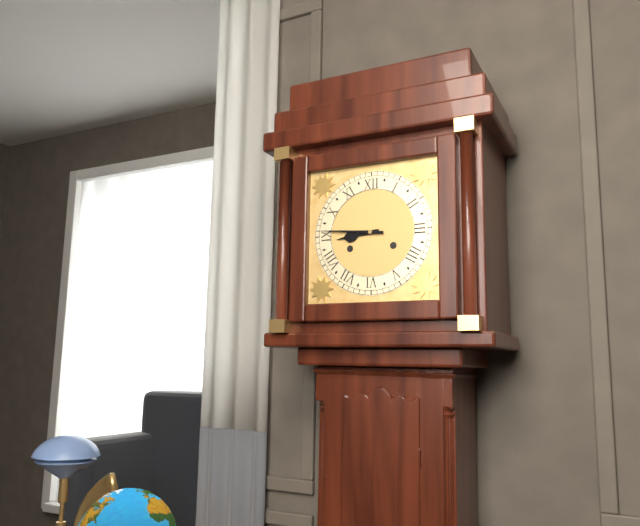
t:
8,46
